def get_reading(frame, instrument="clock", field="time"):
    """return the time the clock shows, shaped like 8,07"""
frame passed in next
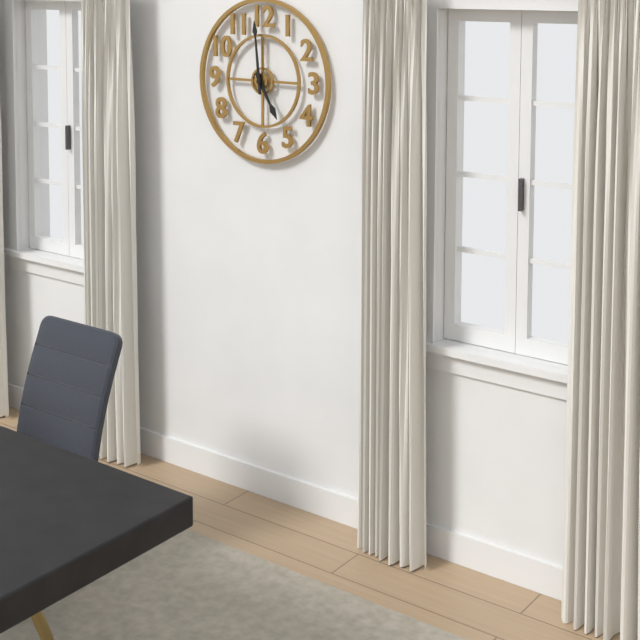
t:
4,59
